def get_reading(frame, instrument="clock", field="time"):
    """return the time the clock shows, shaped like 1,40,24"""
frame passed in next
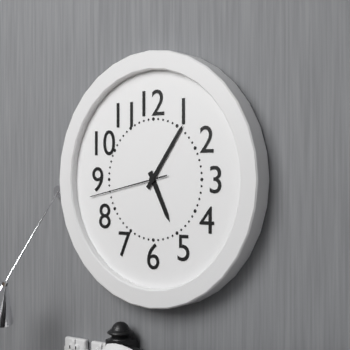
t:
5,06,43
